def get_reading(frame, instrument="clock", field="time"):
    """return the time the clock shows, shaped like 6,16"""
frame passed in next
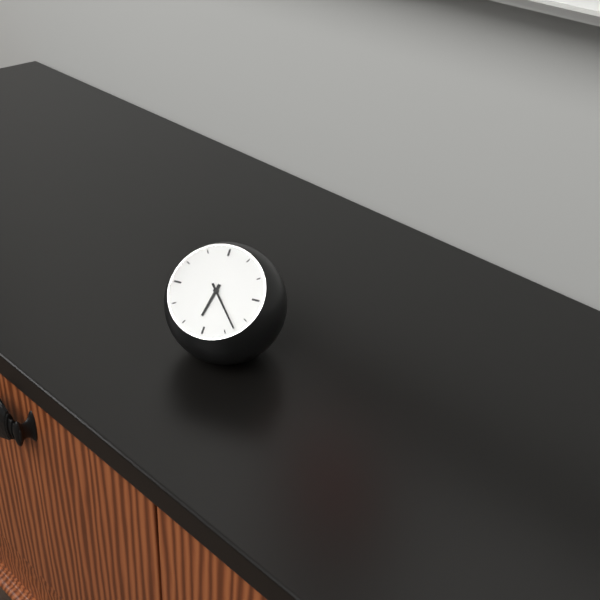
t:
6,23
